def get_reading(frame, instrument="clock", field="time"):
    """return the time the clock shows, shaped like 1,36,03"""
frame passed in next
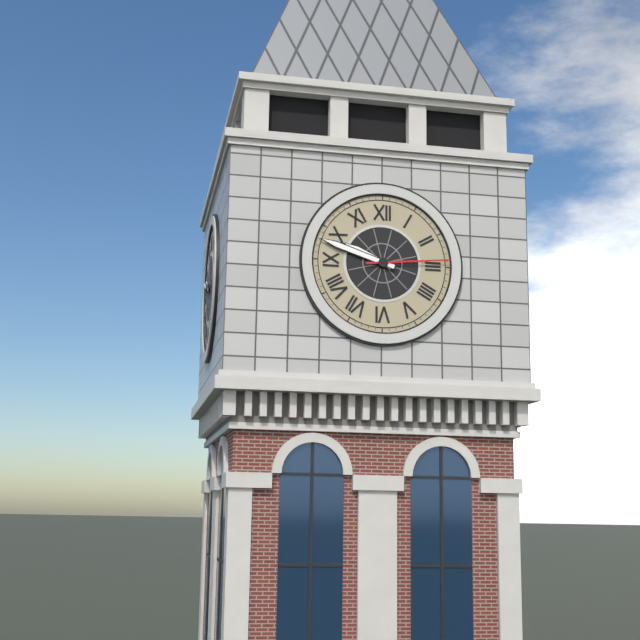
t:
9,48,14
